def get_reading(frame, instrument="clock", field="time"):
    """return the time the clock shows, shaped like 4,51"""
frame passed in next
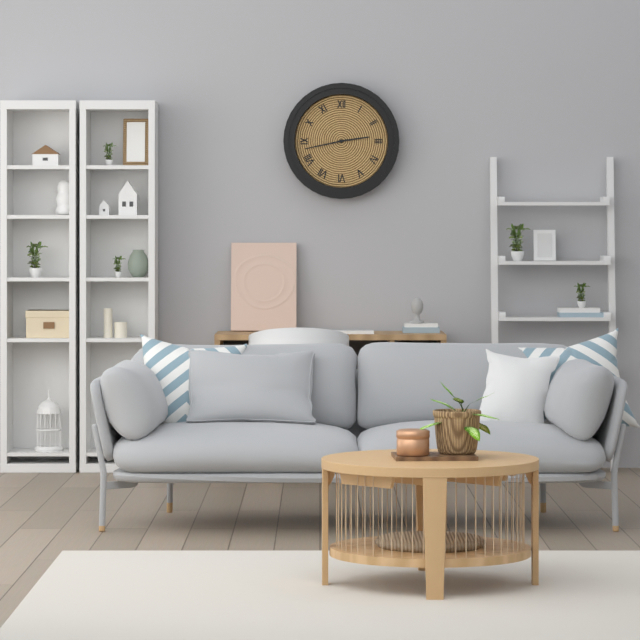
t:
2,43
